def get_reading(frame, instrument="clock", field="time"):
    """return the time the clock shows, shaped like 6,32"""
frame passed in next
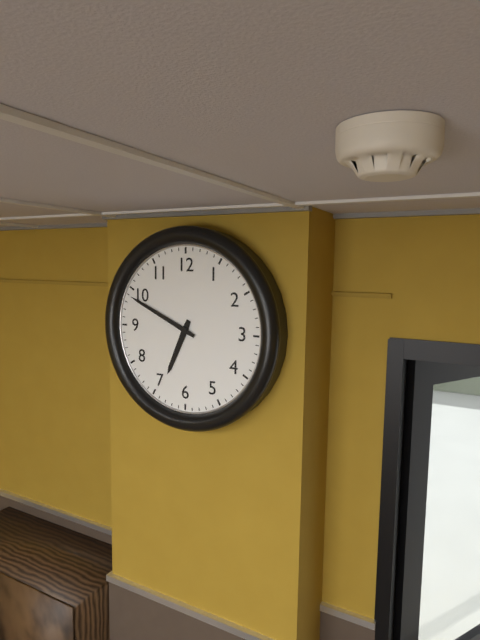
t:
6,49
